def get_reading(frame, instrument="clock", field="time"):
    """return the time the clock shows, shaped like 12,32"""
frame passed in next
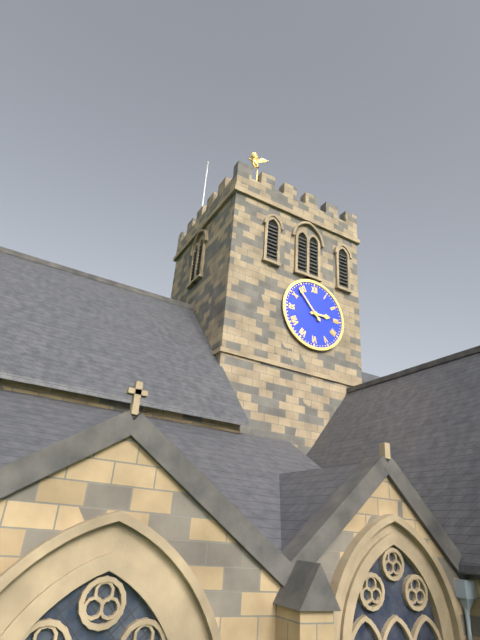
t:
2,53
